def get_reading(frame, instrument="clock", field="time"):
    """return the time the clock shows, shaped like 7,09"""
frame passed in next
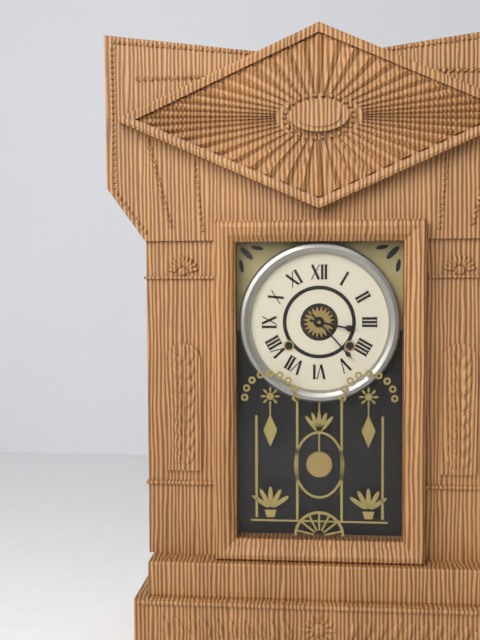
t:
3,23
